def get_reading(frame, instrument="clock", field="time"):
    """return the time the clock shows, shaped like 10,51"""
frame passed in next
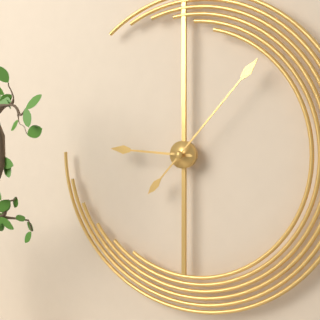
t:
9,07
